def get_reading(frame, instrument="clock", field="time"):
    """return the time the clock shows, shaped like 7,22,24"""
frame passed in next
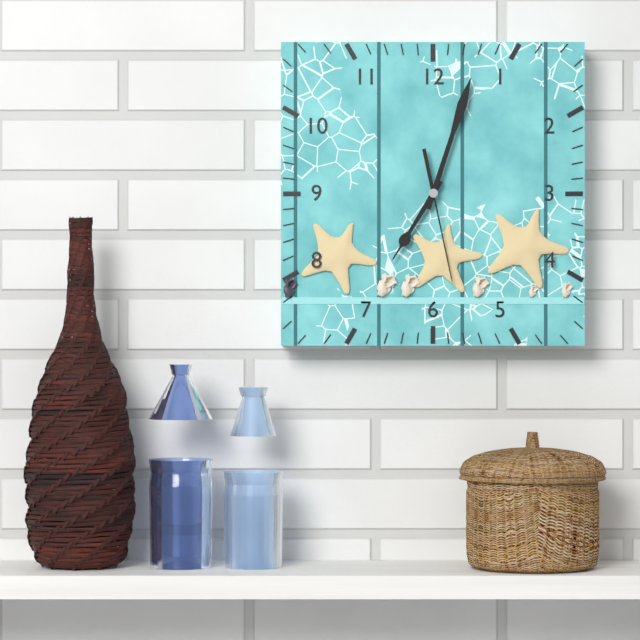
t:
7,03,28
